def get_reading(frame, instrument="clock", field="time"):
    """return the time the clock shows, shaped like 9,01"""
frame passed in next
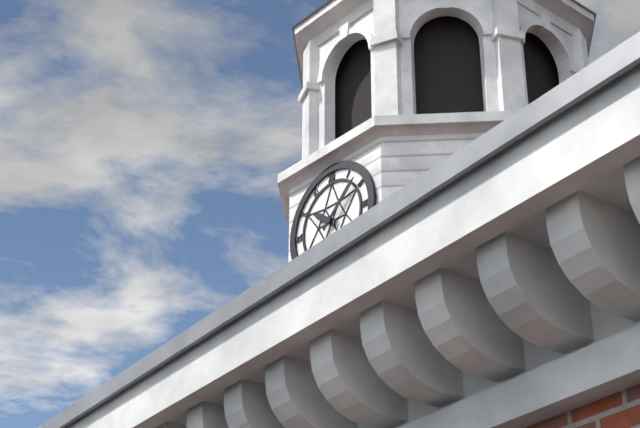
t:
10,08
